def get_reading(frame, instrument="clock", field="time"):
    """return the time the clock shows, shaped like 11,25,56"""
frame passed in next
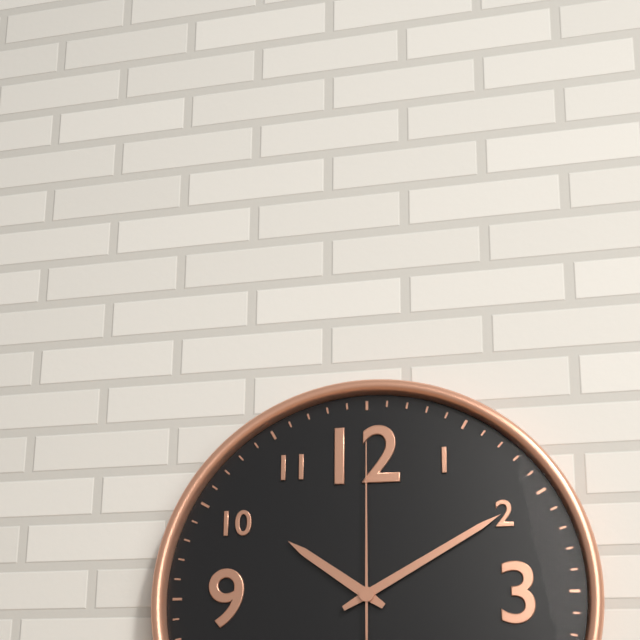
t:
10,10,00
